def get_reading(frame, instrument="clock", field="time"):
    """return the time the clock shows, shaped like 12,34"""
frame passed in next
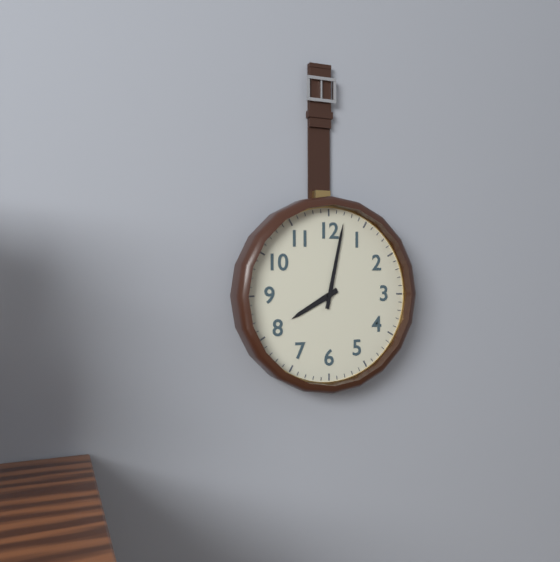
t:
8,02
